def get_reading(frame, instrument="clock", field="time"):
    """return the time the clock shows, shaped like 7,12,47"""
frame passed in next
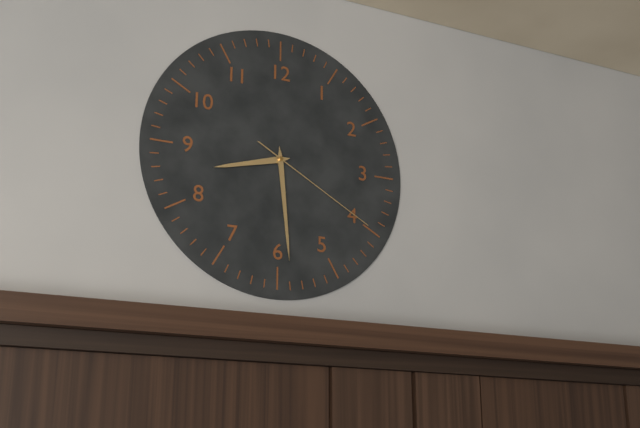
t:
8,29,20
